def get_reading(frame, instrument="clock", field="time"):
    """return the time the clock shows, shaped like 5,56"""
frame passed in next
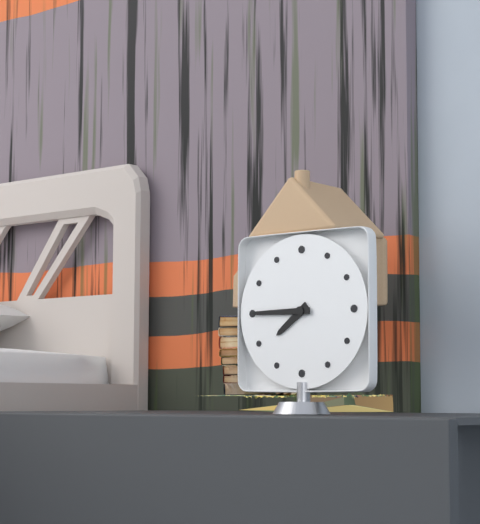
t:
7,45
